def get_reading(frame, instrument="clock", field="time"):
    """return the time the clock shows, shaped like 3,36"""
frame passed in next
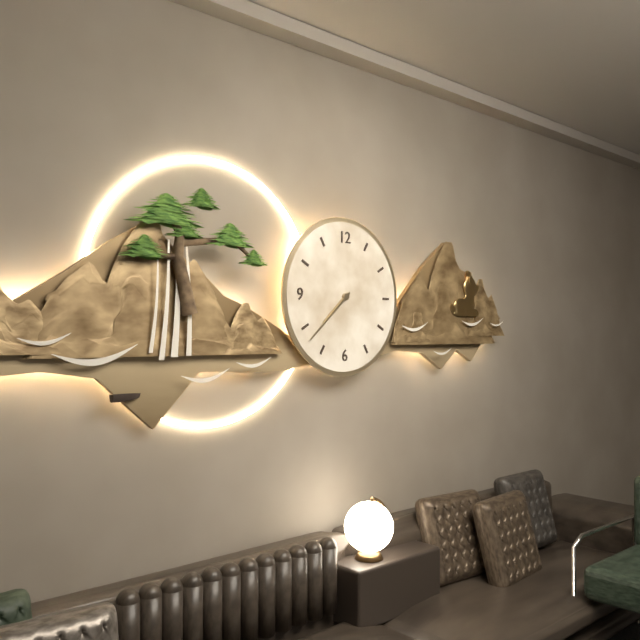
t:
7,38
